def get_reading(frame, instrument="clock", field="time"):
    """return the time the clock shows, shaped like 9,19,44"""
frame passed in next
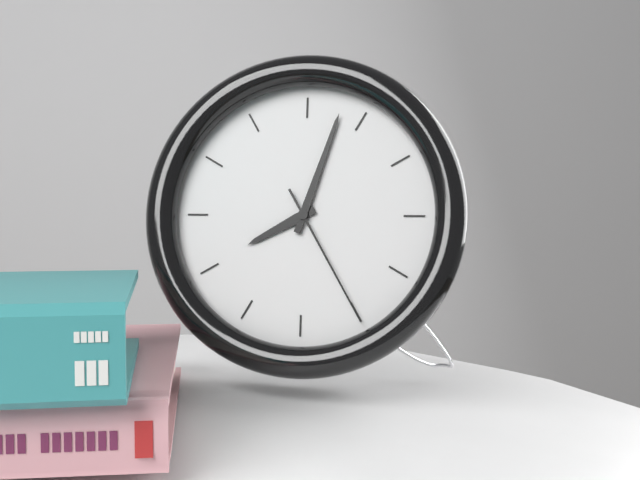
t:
8,03,25
